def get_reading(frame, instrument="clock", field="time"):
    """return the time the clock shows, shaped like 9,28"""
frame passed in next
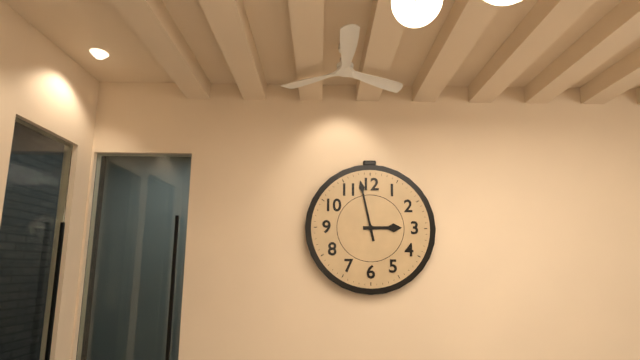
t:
2,58
